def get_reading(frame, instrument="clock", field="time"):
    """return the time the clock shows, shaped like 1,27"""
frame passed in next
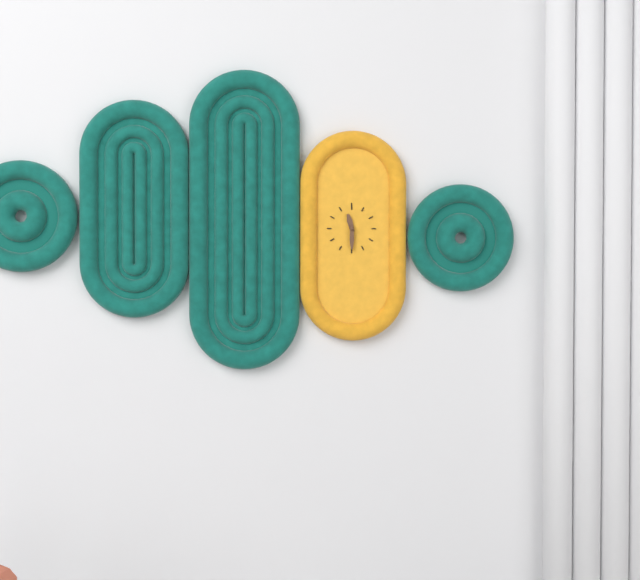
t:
11,30
